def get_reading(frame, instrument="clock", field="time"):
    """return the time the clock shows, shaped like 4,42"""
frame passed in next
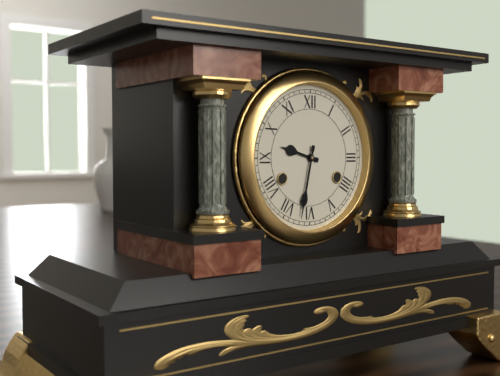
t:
9,32
